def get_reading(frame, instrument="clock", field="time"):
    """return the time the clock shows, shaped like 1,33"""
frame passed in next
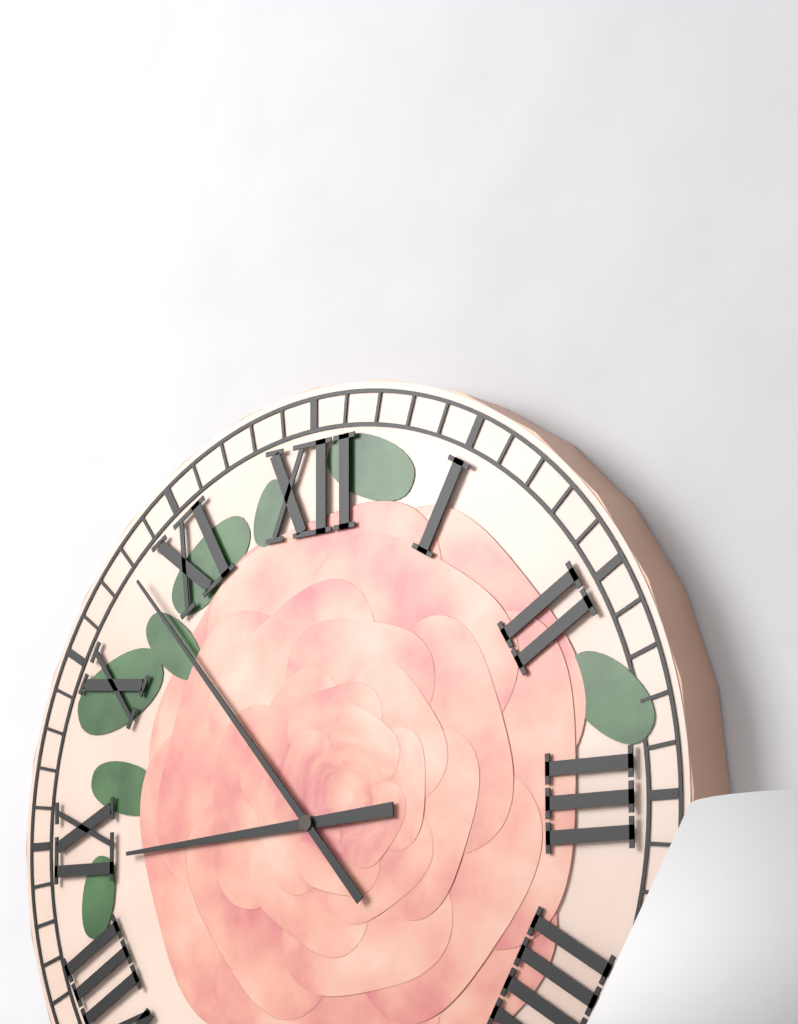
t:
8,53
